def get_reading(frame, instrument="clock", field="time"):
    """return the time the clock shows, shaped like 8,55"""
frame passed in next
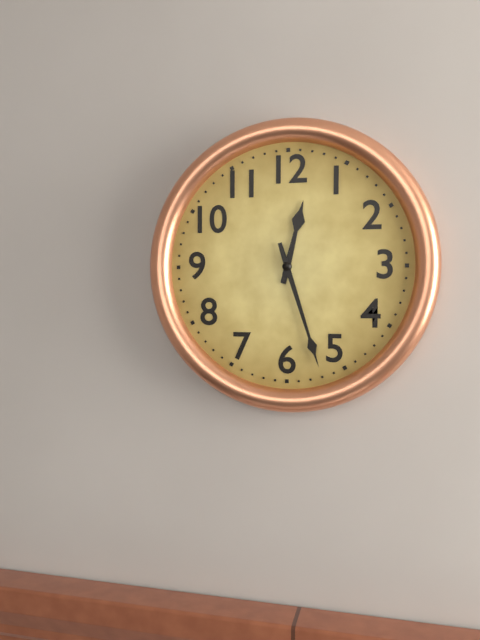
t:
12,27
